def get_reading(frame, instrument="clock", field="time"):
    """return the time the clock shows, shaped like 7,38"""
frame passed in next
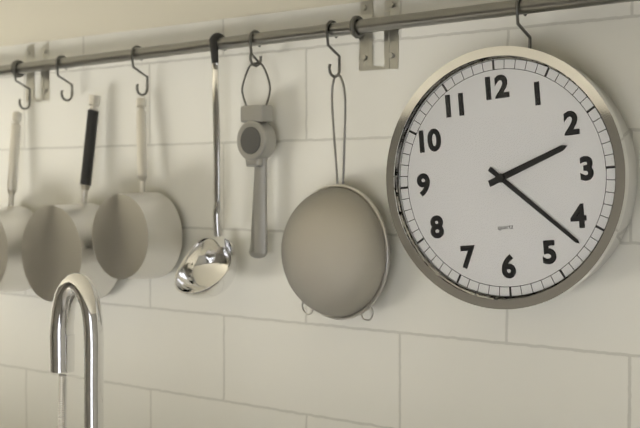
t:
2,22
